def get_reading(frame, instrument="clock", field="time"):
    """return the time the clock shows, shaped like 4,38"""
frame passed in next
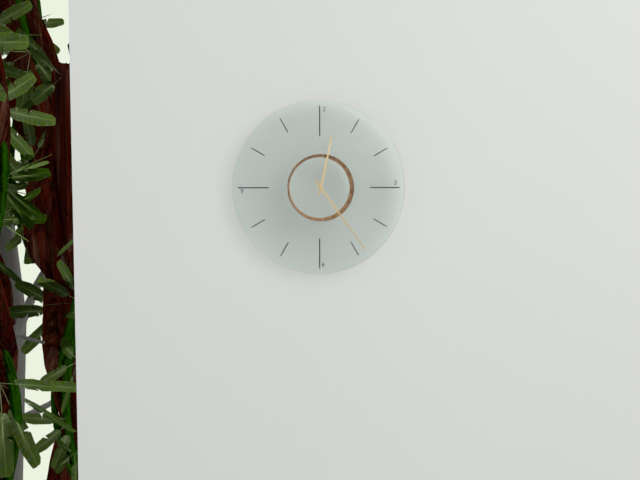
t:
12,24
